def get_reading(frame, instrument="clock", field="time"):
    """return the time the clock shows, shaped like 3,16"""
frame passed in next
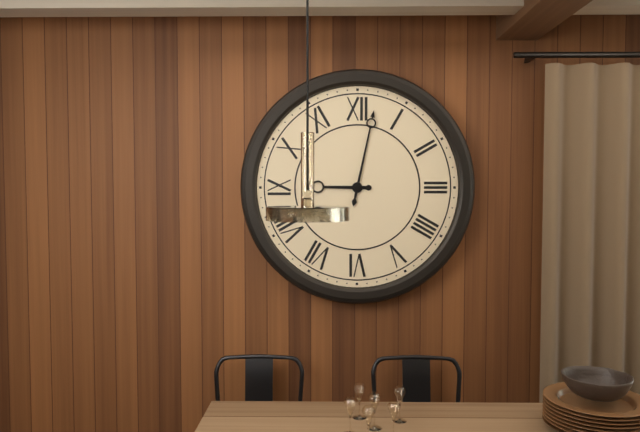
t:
9,02
